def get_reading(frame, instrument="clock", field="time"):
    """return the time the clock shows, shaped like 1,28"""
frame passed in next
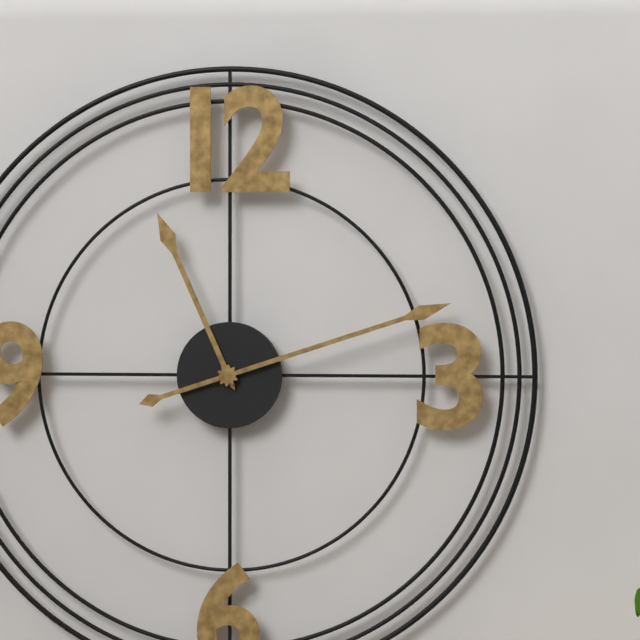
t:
11,12
